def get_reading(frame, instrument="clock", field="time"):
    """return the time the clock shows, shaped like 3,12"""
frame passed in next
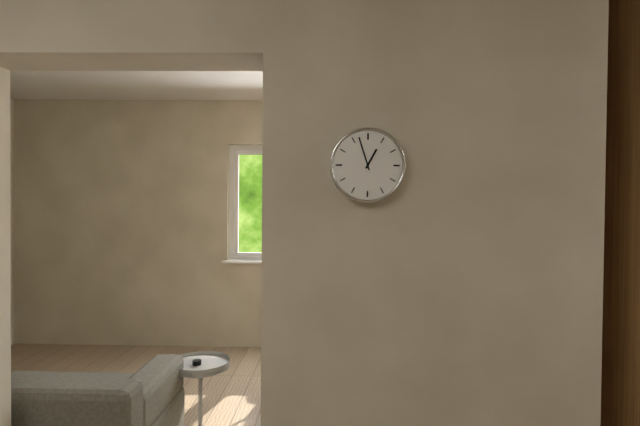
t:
12,57
